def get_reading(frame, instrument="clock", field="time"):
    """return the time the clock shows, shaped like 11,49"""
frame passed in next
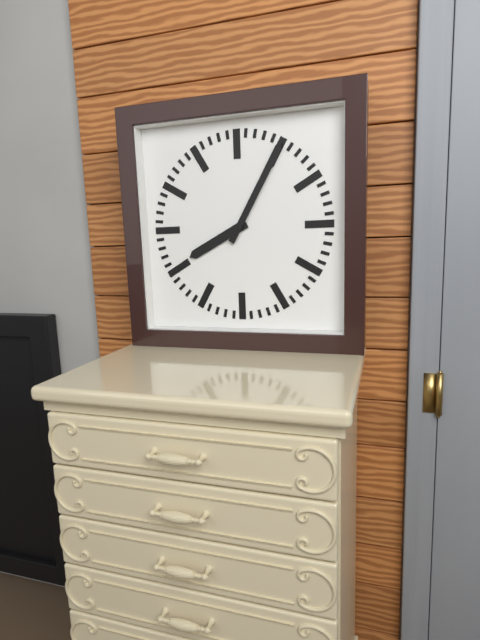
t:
8,05
